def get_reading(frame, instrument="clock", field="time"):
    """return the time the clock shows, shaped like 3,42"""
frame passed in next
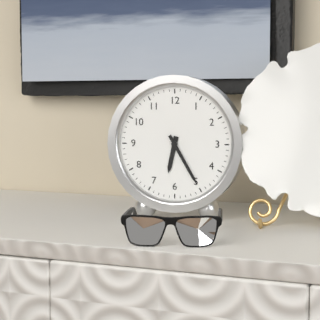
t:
6,25
